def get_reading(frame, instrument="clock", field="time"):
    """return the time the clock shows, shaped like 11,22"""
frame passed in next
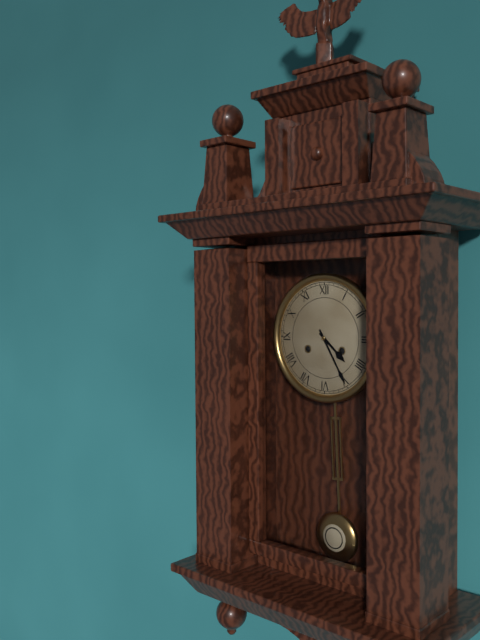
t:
4,25
